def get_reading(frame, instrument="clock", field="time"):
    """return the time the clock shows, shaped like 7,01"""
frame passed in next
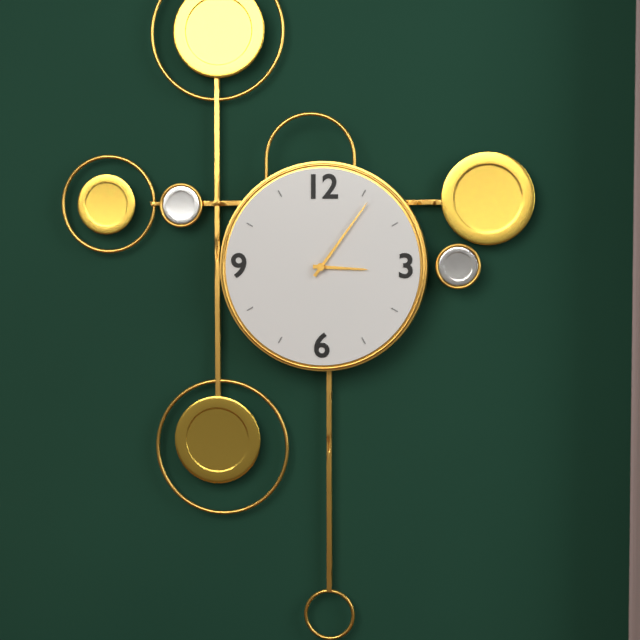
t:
3,06
